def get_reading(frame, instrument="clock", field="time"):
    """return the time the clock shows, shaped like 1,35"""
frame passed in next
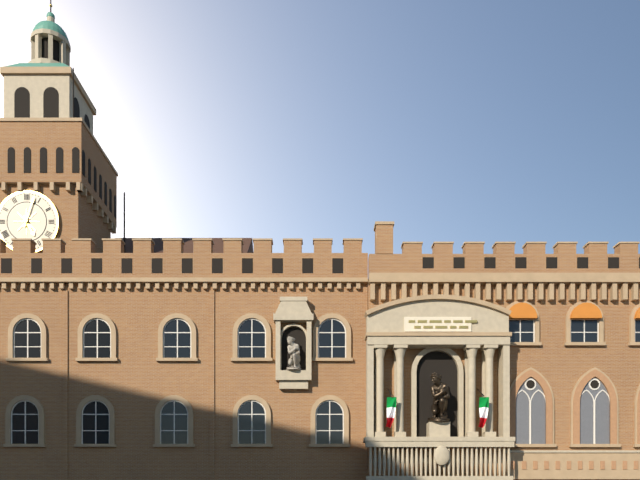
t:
5,03
